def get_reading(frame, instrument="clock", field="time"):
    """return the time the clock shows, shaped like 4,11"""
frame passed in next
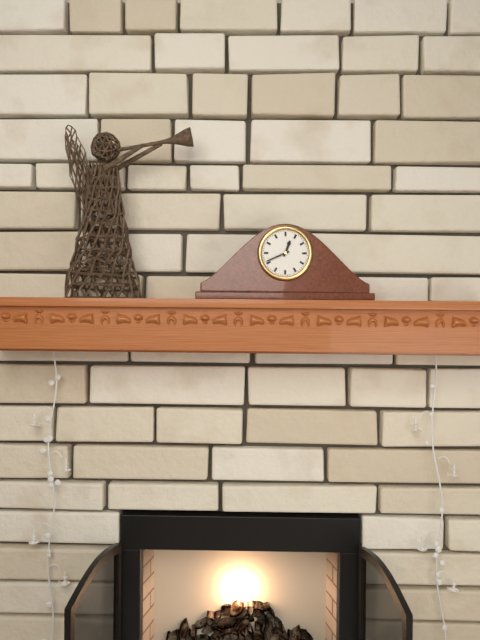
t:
12,41
